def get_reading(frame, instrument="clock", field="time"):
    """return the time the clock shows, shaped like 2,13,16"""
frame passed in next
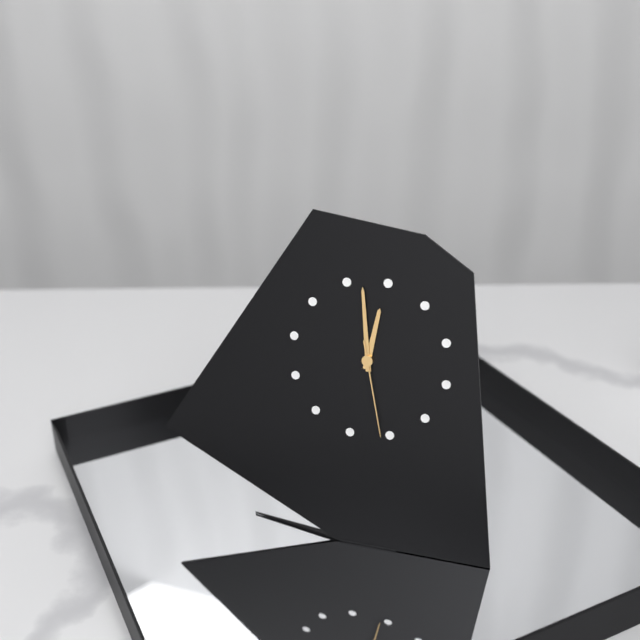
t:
11,57,26
